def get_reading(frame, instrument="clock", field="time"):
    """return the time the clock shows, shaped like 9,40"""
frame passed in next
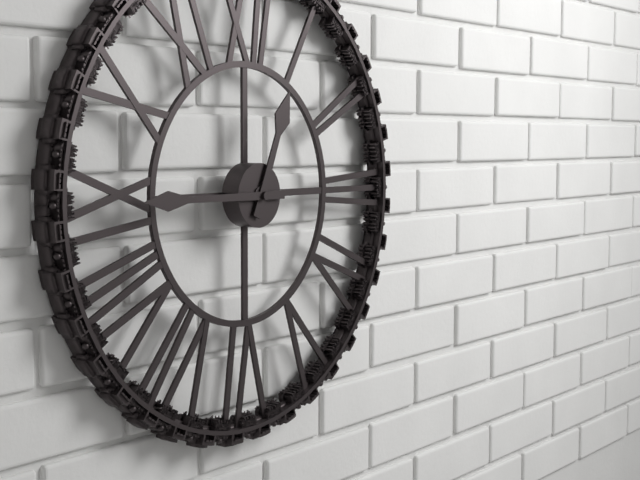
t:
12,45
